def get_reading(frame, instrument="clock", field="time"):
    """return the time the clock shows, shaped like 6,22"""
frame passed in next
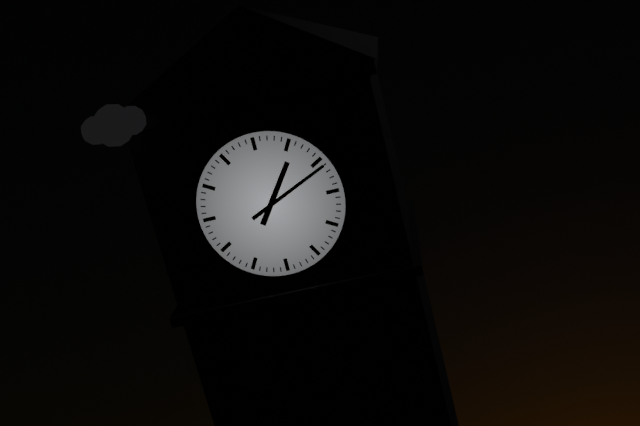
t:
1,11
